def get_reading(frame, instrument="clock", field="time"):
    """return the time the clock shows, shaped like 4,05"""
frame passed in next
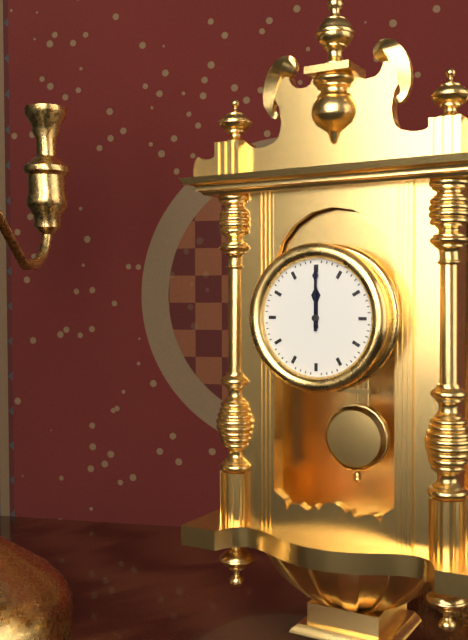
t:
12,00
